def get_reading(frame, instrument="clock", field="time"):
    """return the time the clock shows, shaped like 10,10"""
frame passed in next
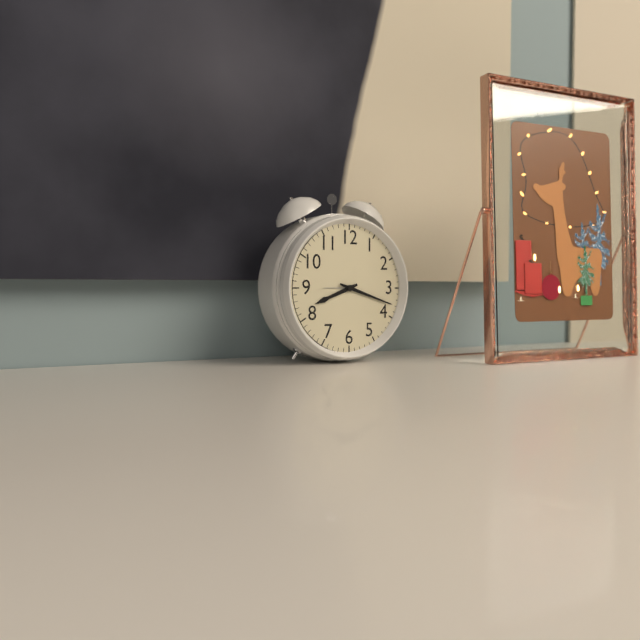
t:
8,18
